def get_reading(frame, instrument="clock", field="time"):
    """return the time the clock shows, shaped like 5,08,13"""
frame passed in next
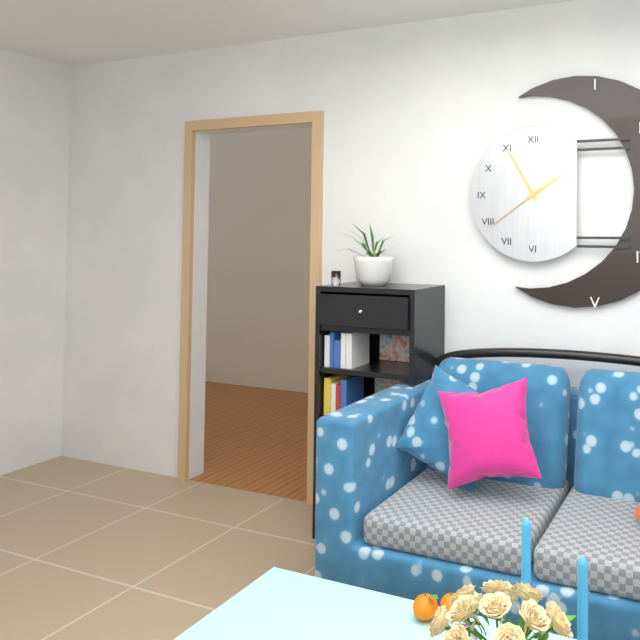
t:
1,55,39
